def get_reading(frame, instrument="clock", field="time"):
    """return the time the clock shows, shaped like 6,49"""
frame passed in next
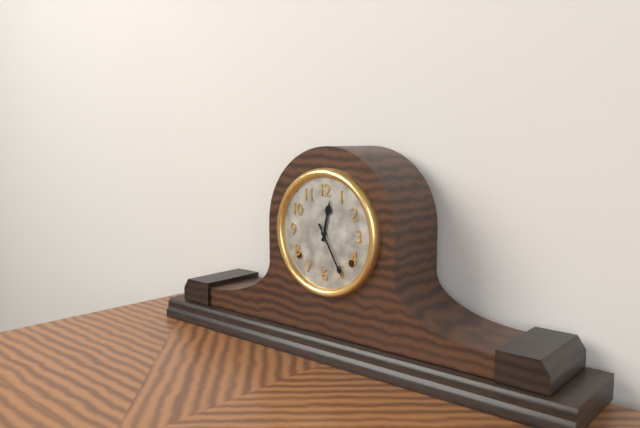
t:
12,25
